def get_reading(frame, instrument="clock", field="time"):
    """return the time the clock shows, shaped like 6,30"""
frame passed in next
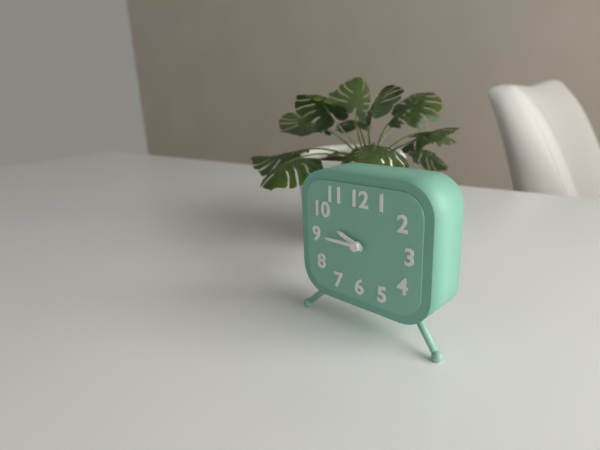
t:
9,45
